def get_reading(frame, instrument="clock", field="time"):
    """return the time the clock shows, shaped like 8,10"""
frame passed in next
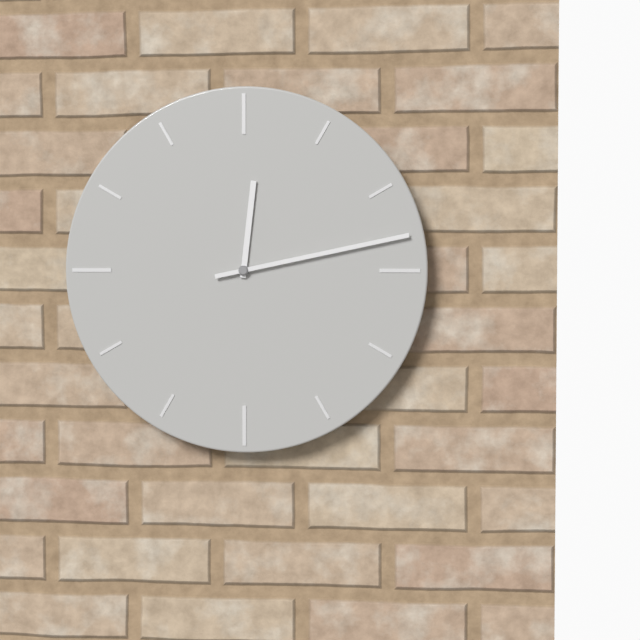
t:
12,13
